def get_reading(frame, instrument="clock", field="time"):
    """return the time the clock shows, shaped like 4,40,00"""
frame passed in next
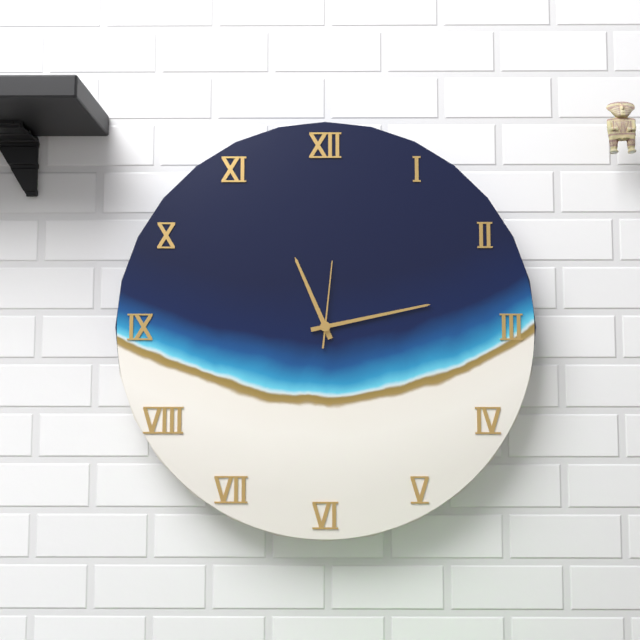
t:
11,13,01
